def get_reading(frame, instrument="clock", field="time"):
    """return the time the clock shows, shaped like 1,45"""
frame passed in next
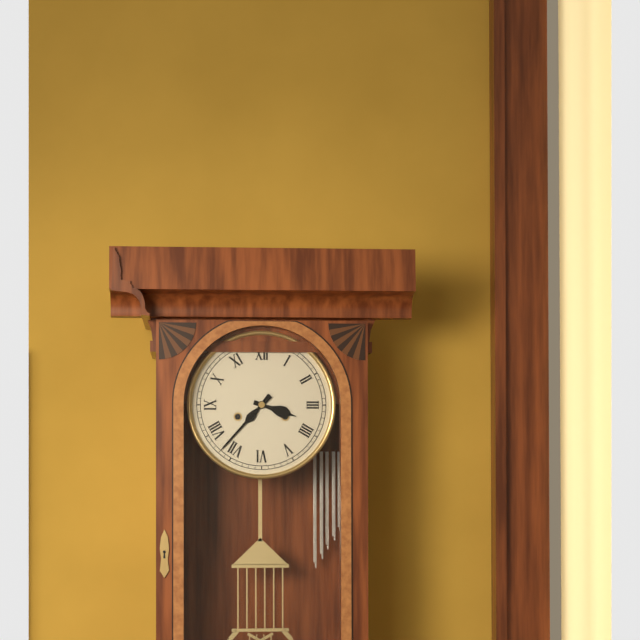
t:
3,37
